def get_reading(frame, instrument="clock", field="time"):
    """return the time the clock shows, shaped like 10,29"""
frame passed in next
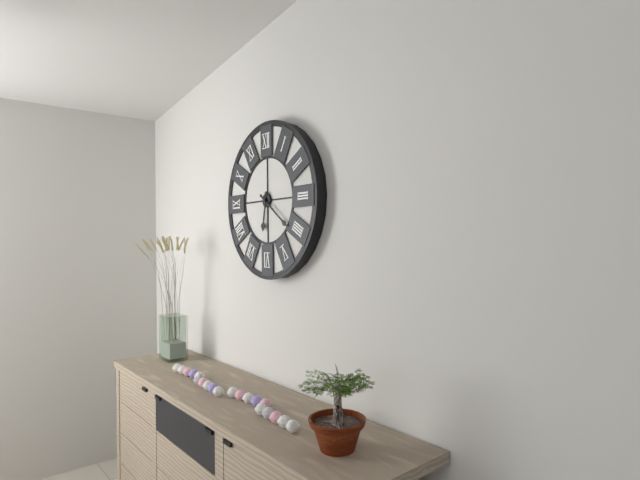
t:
6,21
